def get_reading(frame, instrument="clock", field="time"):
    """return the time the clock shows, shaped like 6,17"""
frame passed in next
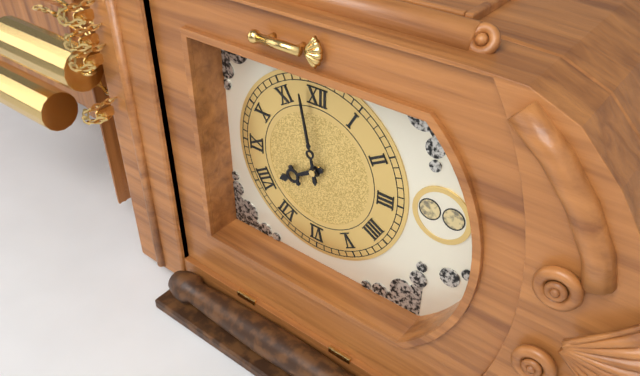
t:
7,58
